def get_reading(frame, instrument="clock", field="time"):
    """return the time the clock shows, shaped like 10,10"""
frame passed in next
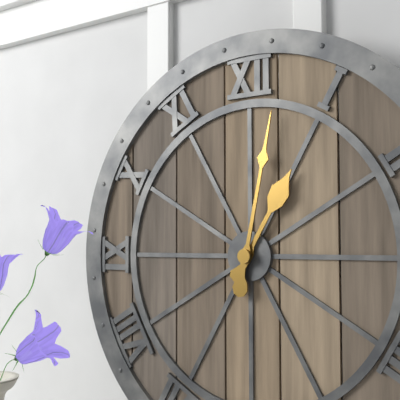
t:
1,02
